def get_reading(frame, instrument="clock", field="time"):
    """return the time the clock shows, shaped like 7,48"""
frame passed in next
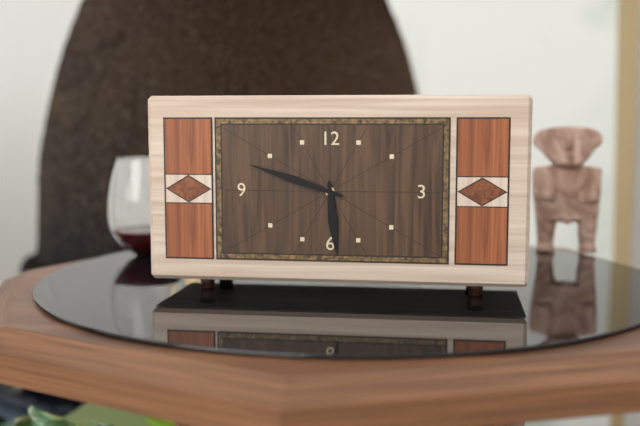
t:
5,48
